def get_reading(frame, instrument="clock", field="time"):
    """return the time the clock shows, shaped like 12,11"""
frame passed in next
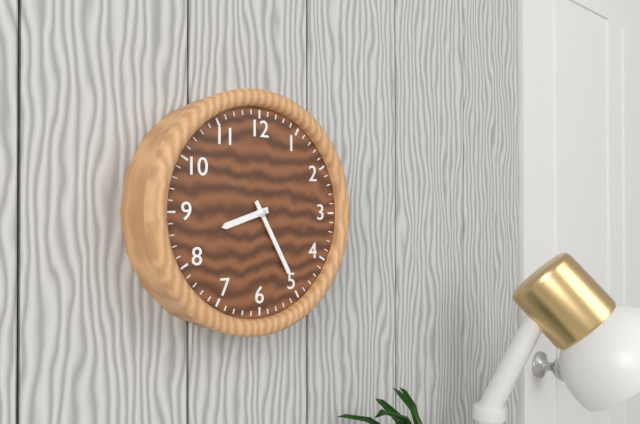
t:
8,25
